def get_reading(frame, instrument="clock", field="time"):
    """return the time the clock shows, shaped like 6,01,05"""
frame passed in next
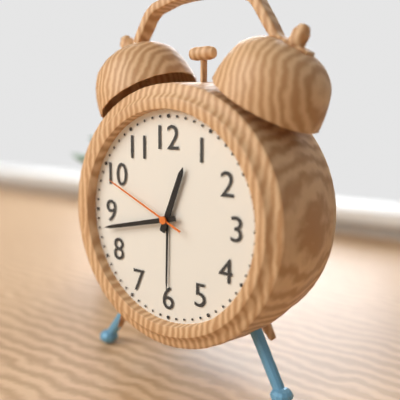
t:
12,43,49
